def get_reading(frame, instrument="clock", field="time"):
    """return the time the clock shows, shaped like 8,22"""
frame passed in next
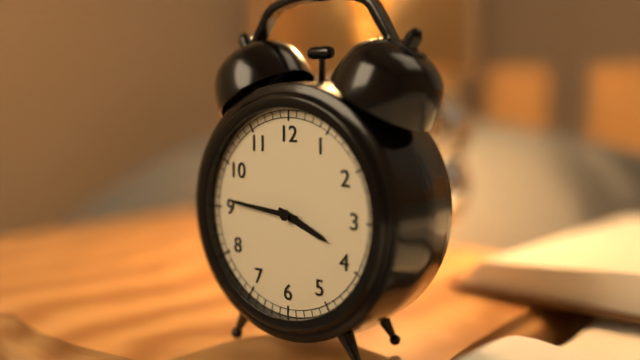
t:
3,46
